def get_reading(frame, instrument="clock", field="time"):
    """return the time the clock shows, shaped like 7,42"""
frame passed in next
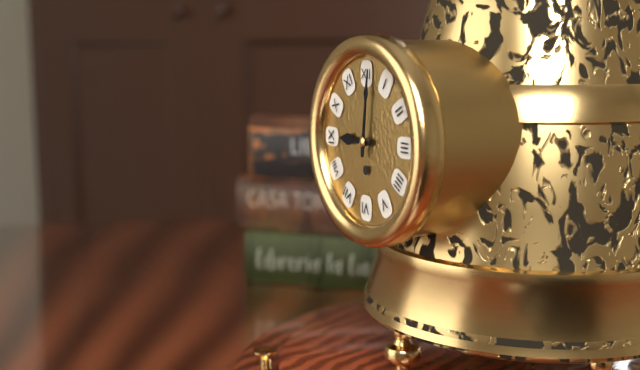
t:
9,01
